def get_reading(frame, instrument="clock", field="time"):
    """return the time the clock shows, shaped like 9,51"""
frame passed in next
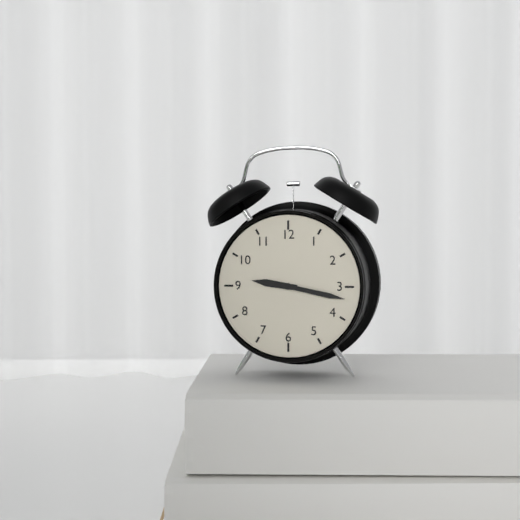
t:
9,17
